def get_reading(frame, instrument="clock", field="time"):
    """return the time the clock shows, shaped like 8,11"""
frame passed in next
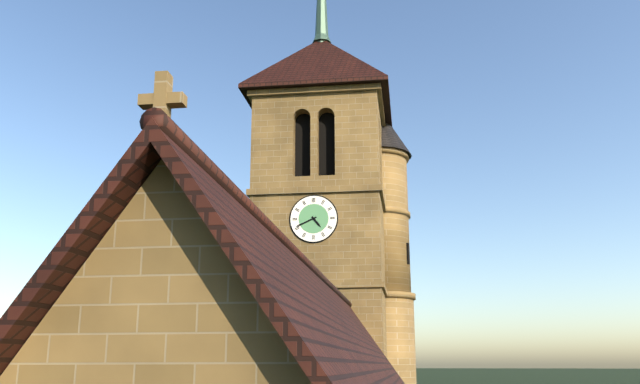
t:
4,41
